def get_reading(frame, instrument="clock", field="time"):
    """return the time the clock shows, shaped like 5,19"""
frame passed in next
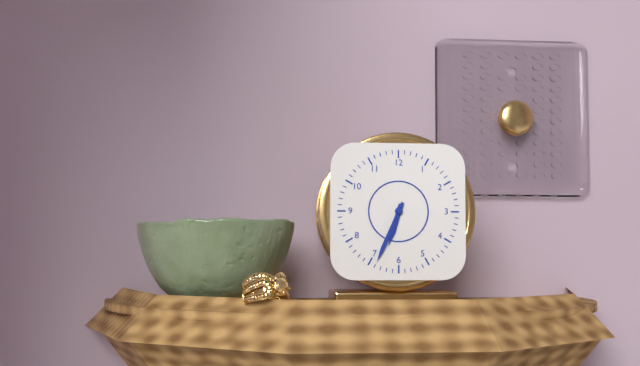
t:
6,34
